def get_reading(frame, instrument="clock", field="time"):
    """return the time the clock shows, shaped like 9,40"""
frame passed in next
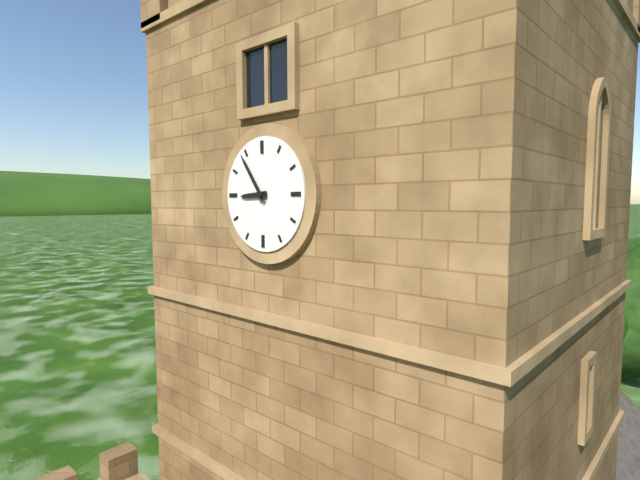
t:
8,54
